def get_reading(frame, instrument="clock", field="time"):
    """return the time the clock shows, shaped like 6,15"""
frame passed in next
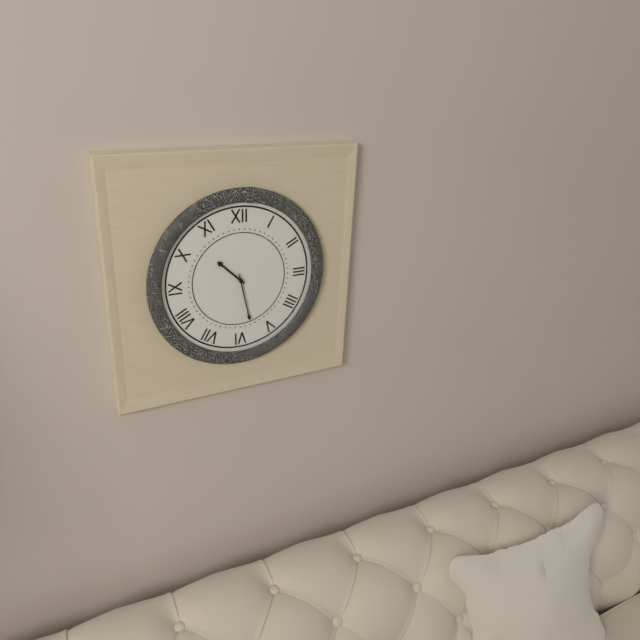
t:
10,28
